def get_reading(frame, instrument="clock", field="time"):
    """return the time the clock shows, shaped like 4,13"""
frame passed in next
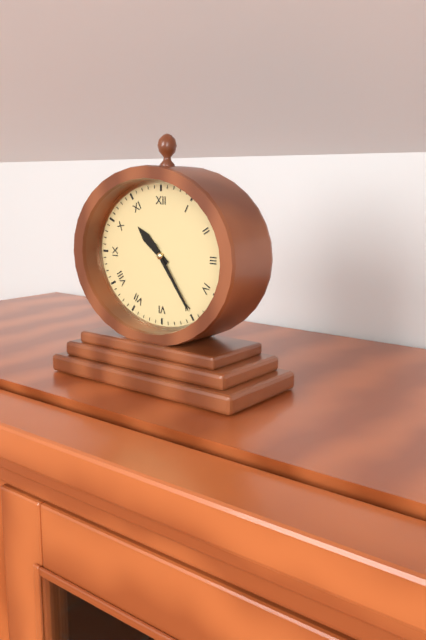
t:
10,24
